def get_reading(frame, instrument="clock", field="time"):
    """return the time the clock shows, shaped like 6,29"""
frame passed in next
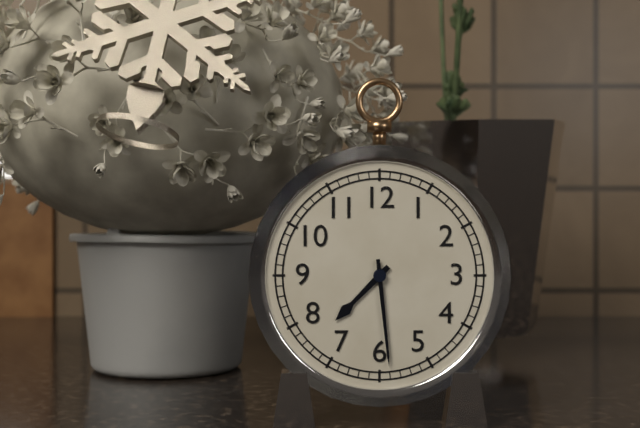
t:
7,29
